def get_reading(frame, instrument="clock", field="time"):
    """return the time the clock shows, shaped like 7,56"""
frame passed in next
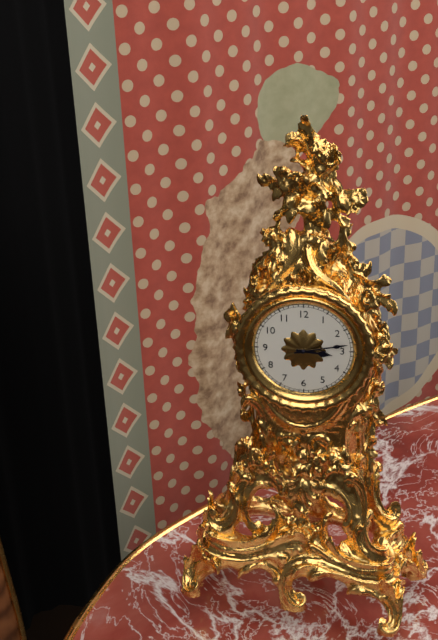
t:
3,13
